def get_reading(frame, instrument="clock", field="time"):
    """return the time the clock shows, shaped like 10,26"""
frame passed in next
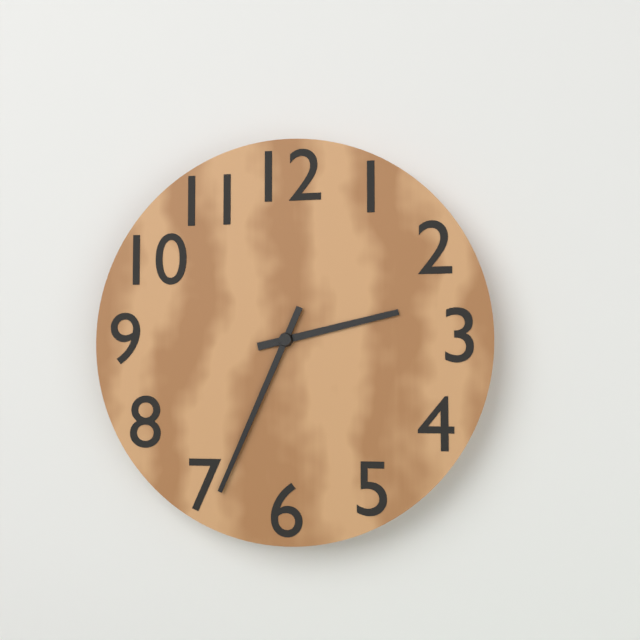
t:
2,34
